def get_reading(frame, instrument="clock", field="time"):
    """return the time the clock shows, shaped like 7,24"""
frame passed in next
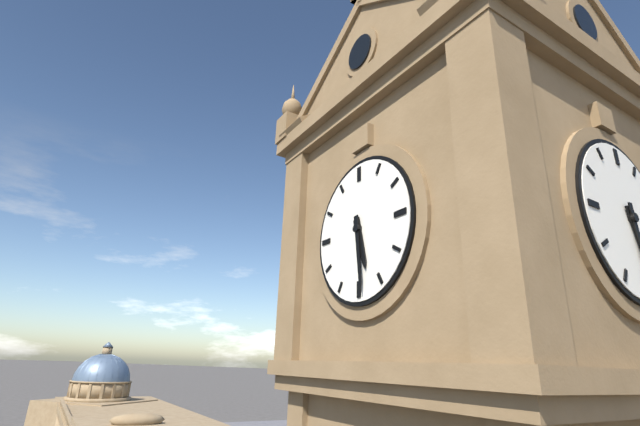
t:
5,29
